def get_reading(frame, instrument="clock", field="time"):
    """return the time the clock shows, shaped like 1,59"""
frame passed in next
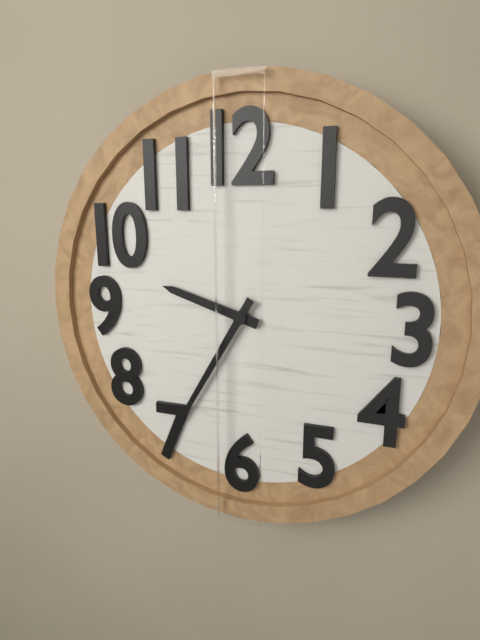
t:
9,35
